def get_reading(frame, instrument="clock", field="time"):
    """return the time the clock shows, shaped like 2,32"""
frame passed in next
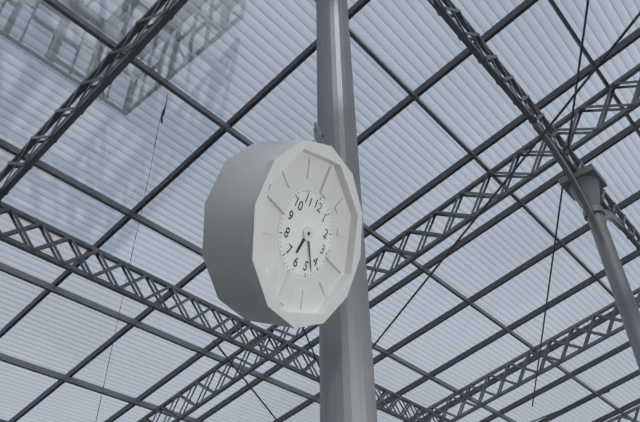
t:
6,23
